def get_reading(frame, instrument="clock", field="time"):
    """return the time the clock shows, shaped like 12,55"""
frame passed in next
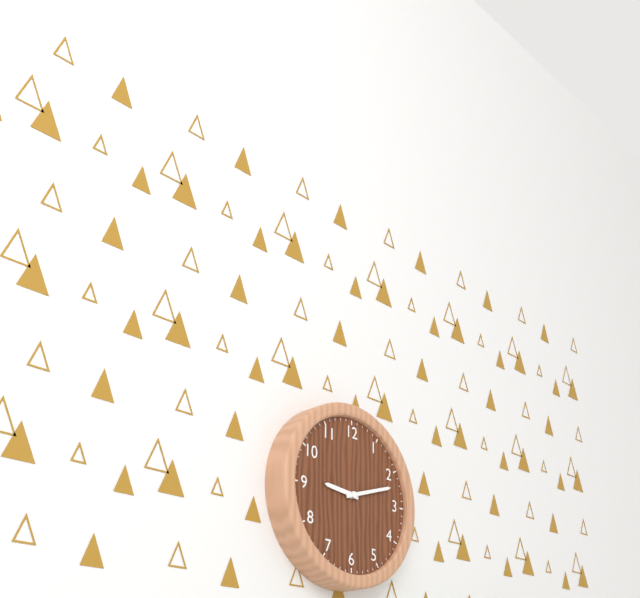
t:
9,12
